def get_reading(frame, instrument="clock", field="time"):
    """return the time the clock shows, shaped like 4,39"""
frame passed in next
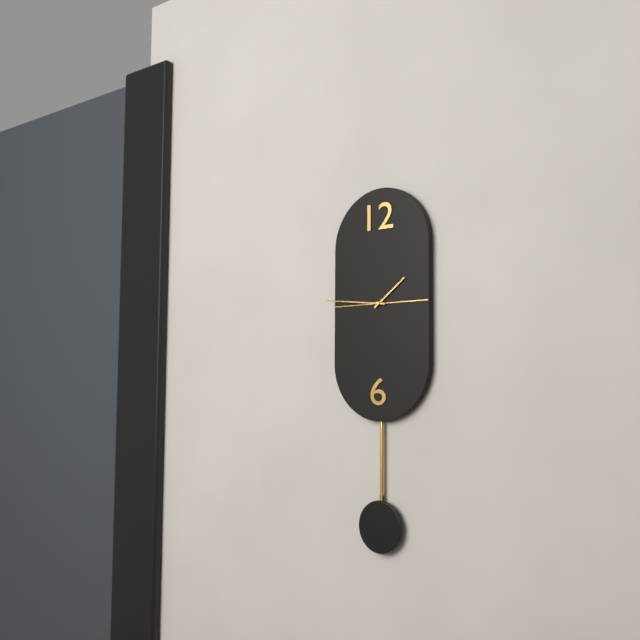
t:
1,46
